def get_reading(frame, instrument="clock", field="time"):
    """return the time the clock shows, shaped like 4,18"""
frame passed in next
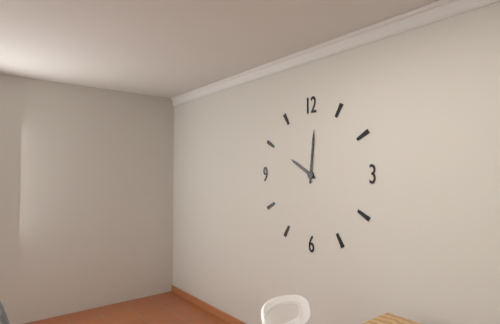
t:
10,01
